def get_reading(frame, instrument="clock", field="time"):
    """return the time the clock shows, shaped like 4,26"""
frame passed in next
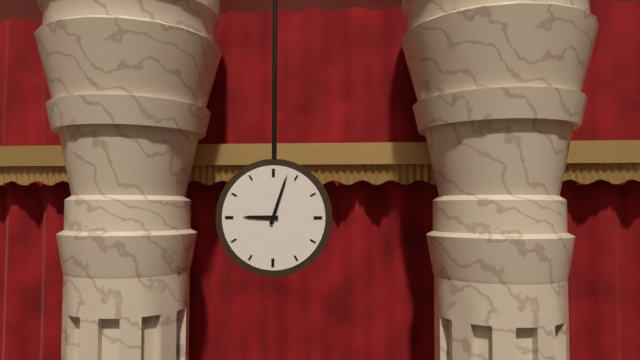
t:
9,03
